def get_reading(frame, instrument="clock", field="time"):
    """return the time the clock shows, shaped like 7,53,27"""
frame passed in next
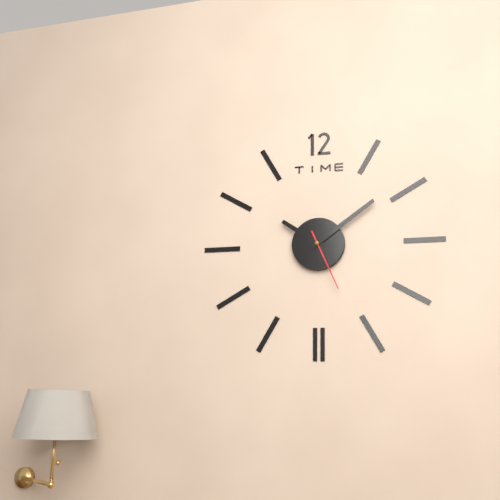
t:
10,09,26
